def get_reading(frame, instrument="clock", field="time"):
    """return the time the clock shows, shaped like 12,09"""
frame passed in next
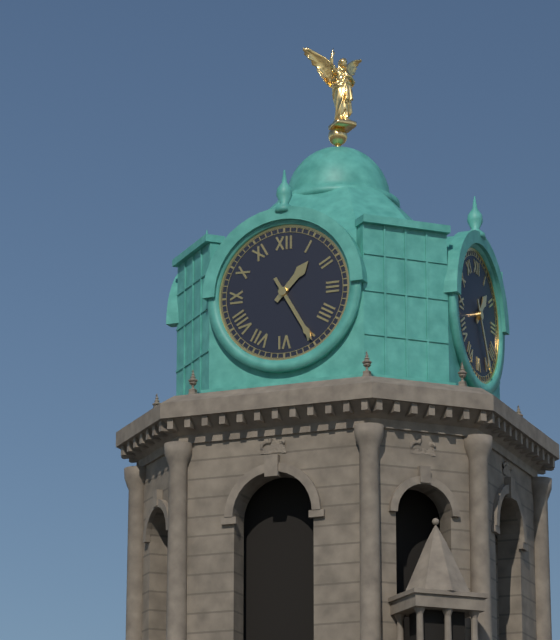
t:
1,25
